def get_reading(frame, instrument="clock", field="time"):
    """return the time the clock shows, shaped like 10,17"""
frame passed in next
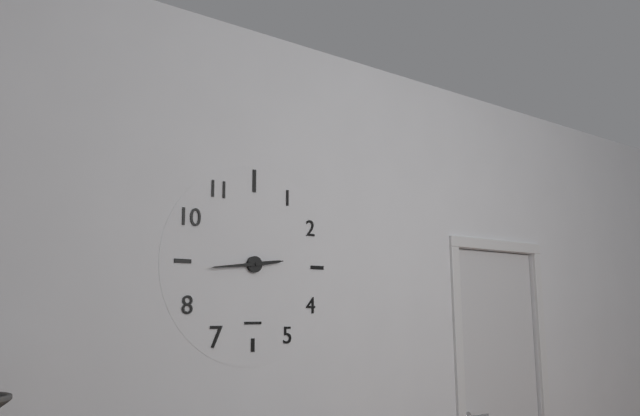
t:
2,44
